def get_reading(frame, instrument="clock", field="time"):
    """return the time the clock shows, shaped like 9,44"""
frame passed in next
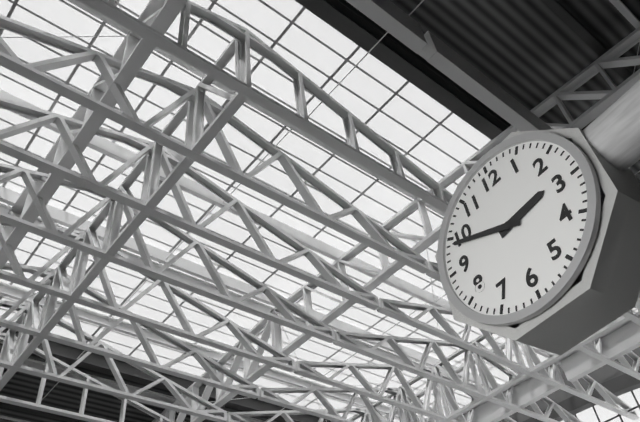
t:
2,49
